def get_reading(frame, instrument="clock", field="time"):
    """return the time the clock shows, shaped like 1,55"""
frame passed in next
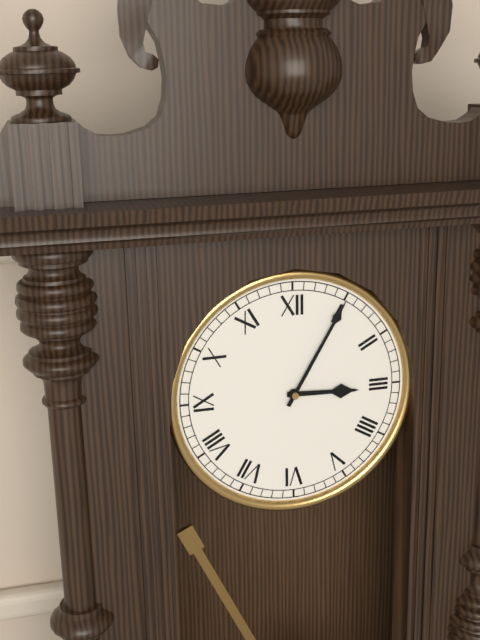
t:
3,05
